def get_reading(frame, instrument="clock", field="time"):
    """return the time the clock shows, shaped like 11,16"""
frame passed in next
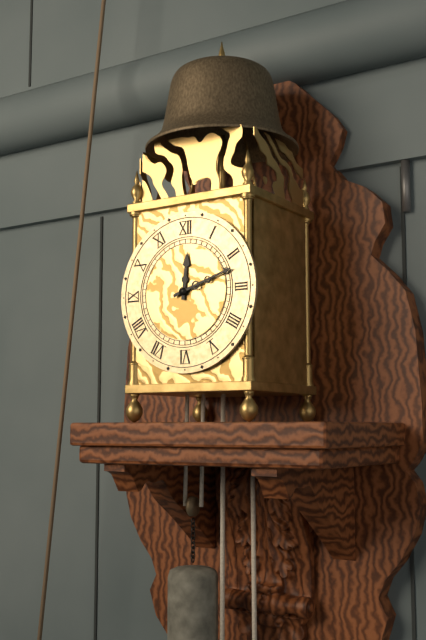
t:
12,12
